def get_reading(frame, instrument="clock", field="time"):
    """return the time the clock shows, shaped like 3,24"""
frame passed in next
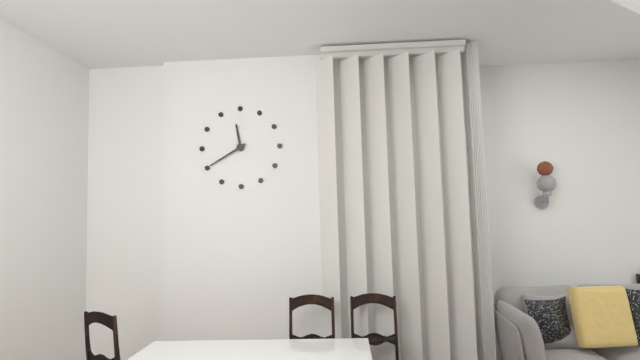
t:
11,40
